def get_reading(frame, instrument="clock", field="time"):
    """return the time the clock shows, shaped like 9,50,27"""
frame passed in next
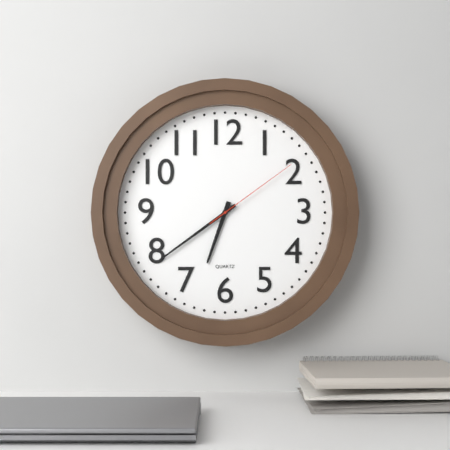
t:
6,39,09
